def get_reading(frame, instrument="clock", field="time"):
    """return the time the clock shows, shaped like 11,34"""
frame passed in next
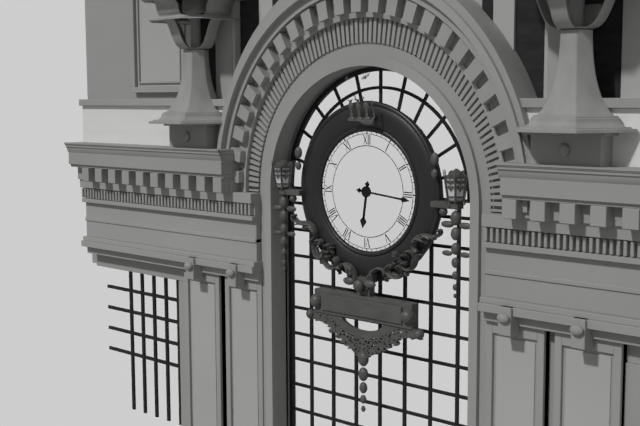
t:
6,16
